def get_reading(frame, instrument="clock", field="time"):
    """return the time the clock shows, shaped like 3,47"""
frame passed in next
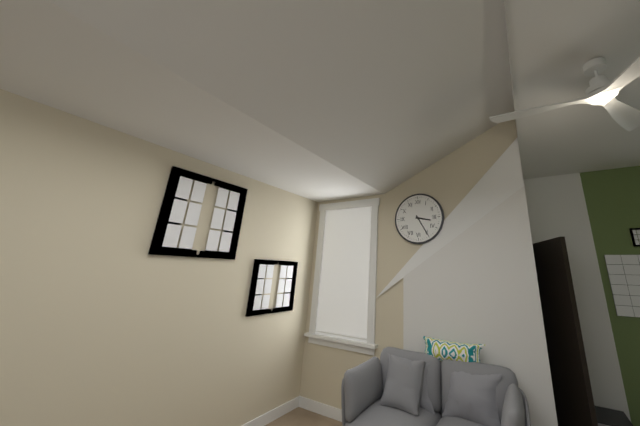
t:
3,25
